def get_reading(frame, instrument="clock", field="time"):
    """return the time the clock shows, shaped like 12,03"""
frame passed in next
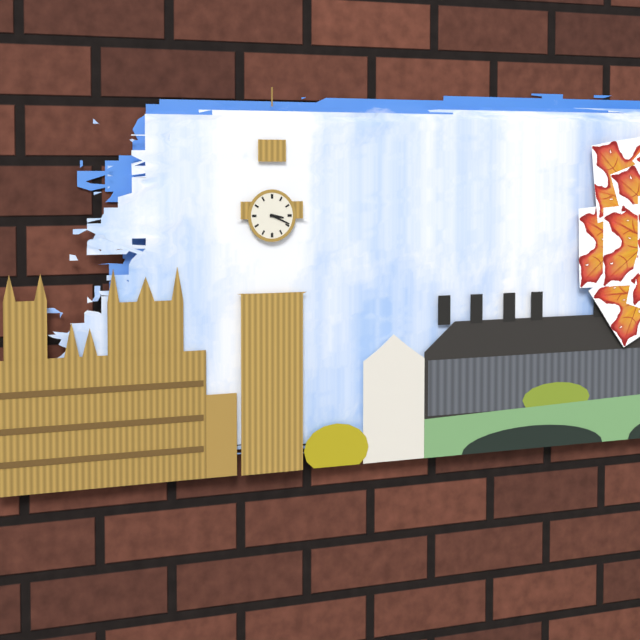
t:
3,19
